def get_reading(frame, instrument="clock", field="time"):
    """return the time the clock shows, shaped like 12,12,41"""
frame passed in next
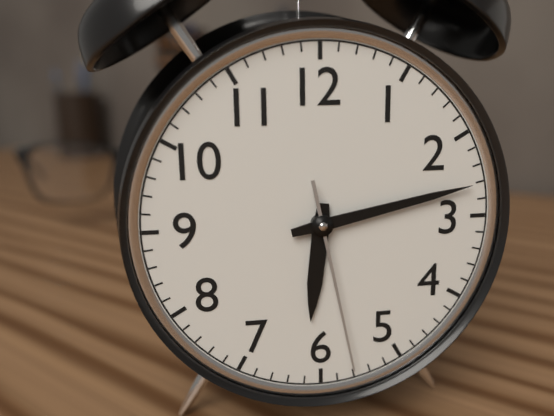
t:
6,13,28
